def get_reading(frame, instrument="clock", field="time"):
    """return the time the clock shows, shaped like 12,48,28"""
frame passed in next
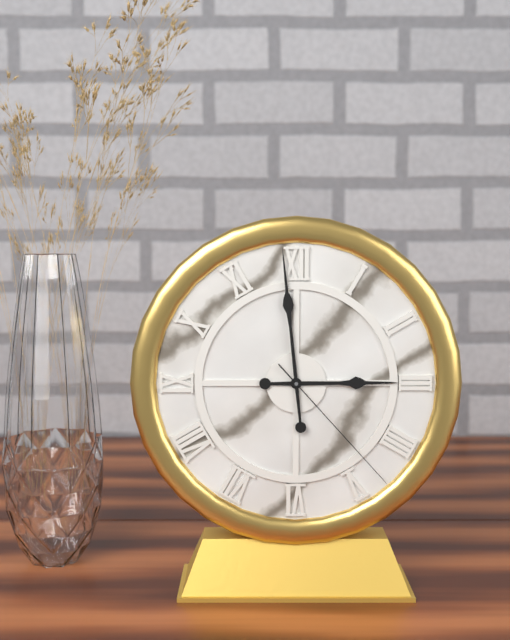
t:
2,59,23
